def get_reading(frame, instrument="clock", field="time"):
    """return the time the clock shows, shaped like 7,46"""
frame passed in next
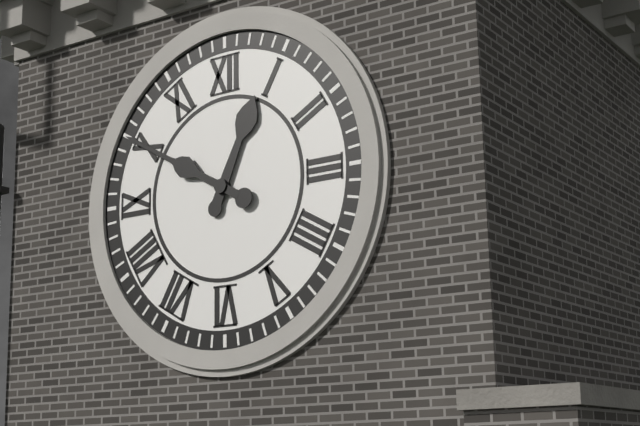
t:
12,50
